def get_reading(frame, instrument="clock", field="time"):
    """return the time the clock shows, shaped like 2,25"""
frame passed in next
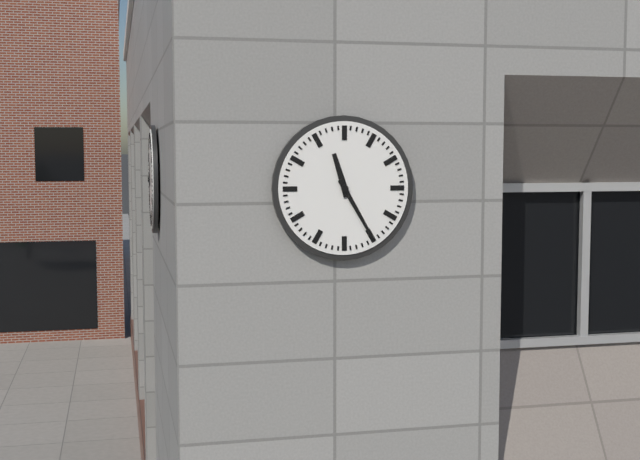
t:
11,25
